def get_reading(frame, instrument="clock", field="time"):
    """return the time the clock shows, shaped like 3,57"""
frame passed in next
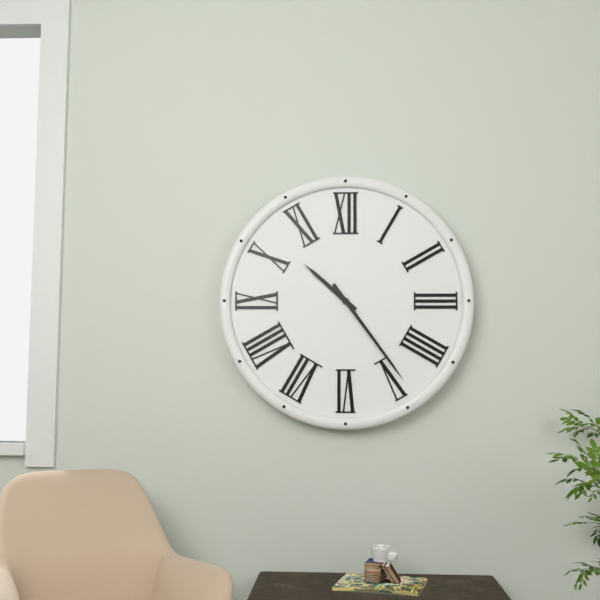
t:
10,24
